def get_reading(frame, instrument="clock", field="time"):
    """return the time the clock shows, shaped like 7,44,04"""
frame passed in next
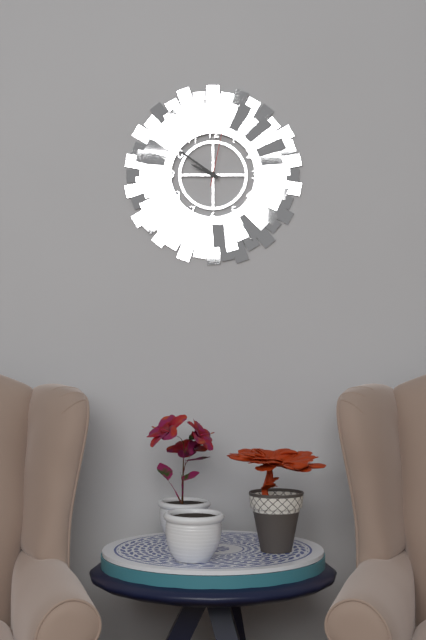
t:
9,51,02
